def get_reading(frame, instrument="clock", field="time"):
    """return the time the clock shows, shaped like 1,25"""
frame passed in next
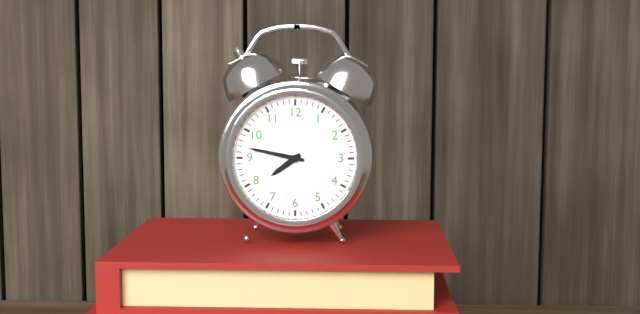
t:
7,47
